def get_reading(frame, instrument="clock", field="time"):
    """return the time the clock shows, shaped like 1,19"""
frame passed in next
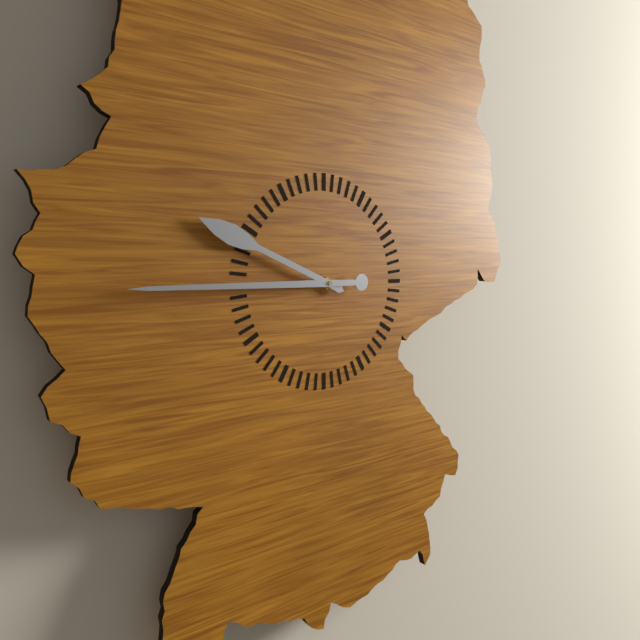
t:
9,45
